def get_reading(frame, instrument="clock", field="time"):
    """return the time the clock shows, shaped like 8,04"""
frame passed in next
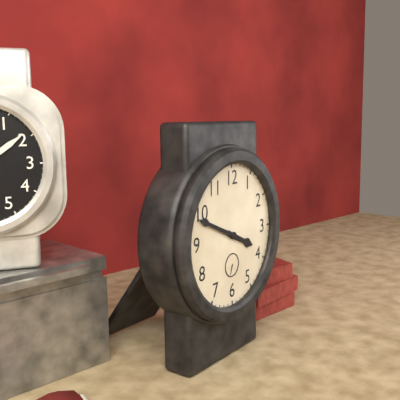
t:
3,49
